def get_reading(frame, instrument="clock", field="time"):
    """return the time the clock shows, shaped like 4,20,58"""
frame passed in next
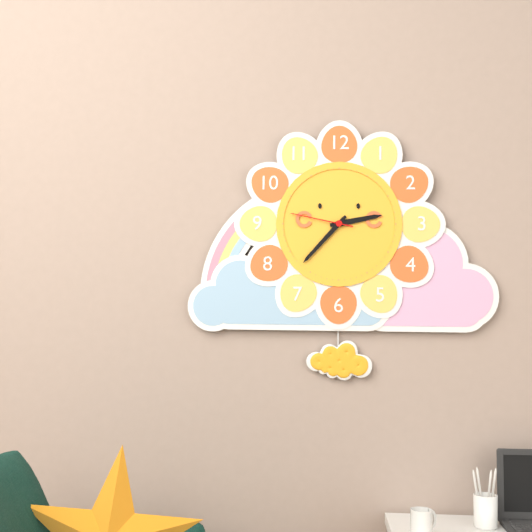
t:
2,37,47
